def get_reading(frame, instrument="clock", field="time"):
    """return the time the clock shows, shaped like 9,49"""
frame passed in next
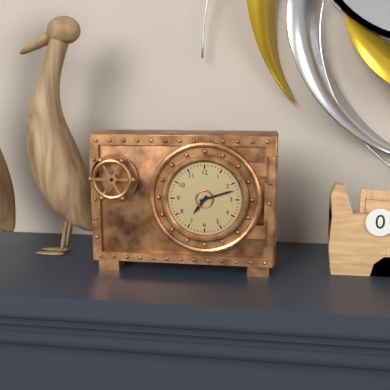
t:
7,12
